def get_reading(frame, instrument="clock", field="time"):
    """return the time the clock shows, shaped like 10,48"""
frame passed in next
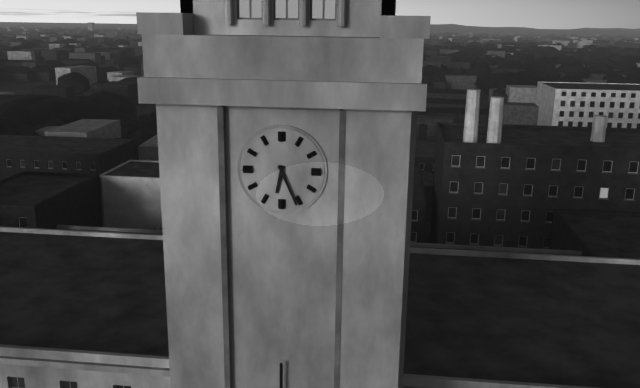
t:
6,26
